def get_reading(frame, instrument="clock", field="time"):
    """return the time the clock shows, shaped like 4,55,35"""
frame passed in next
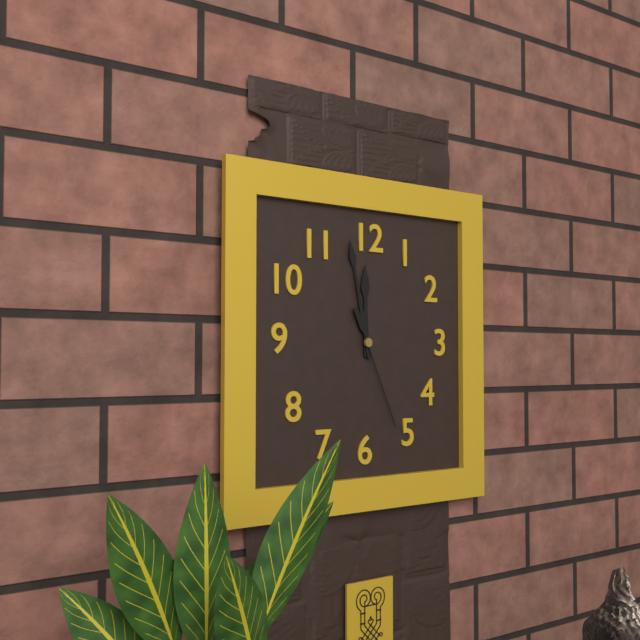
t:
11,58,26
